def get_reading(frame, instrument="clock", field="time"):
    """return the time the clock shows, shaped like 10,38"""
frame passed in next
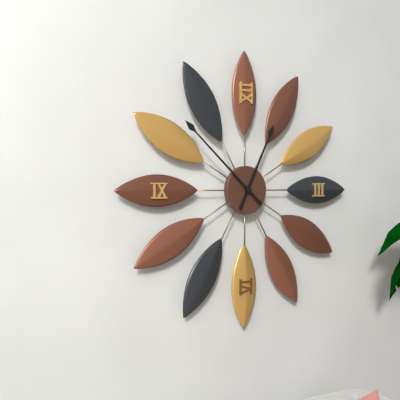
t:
12,52
